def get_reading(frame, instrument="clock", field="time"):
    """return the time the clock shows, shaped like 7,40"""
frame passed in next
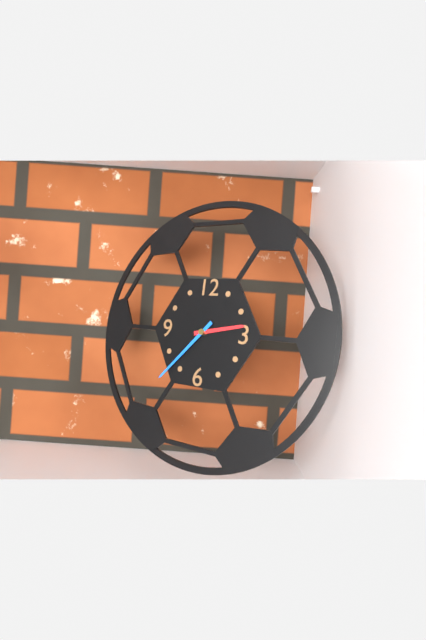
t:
2,37
